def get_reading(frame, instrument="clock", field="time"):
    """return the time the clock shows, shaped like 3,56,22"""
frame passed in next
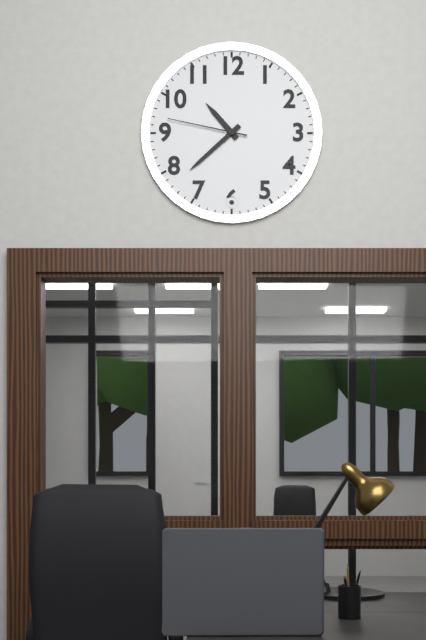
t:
10,38,47
